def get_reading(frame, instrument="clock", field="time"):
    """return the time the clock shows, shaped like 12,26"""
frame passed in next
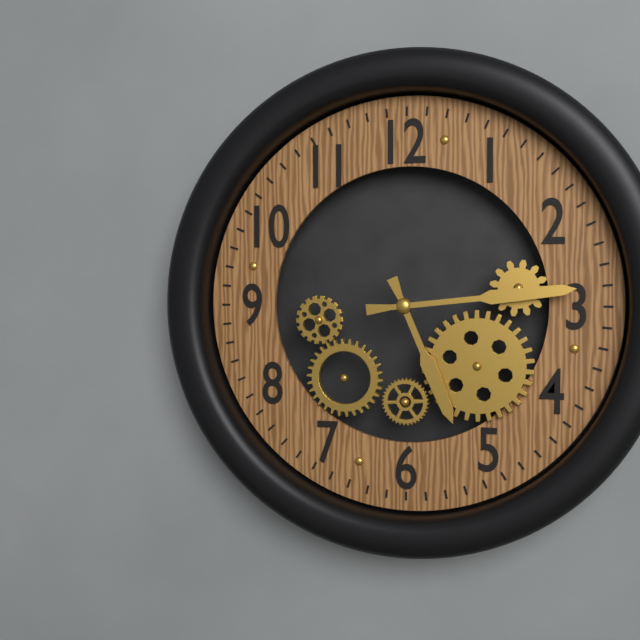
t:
5,14
